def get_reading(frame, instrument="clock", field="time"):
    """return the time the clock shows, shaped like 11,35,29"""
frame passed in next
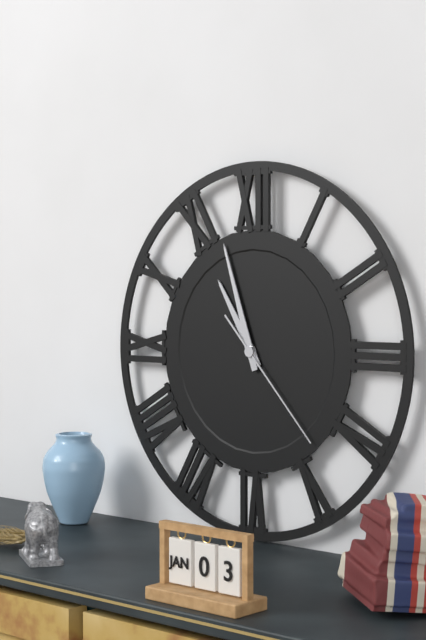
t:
10,57,23
